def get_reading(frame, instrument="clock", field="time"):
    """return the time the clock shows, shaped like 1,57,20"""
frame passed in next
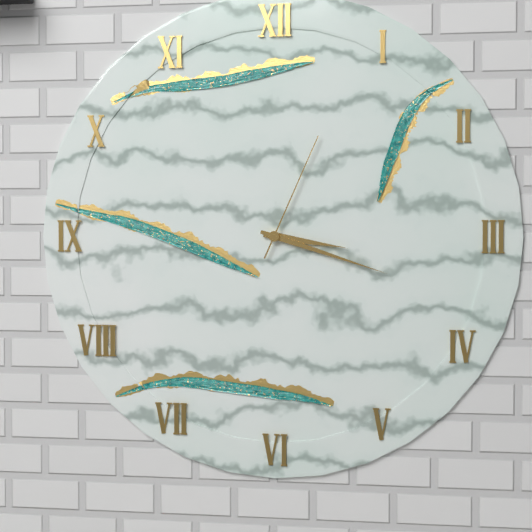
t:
3,18,04
